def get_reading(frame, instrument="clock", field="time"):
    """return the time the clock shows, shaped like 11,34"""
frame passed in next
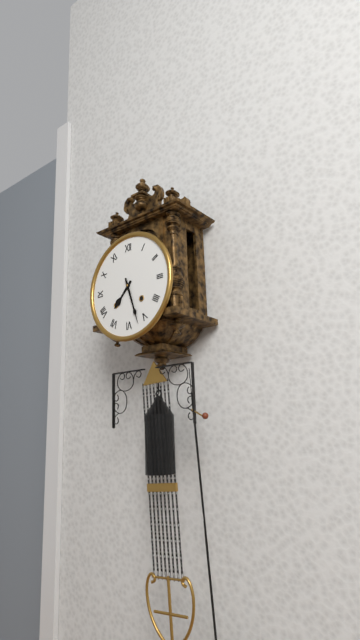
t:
7,27
